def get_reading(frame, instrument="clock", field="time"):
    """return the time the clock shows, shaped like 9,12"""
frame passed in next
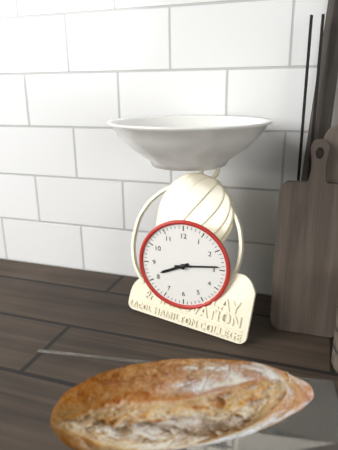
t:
8,14
